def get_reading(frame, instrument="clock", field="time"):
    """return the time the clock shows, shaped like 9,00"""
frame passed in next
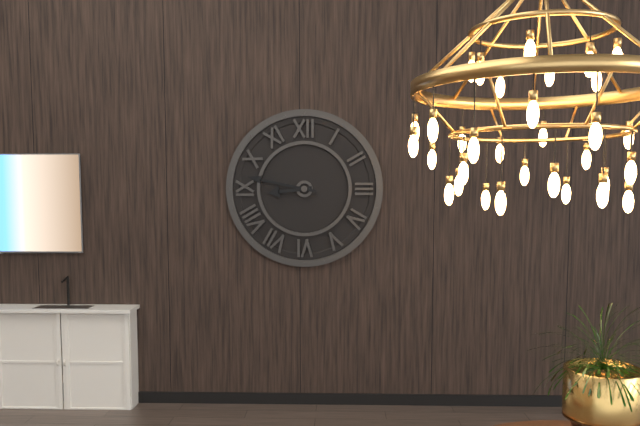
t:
8,47
